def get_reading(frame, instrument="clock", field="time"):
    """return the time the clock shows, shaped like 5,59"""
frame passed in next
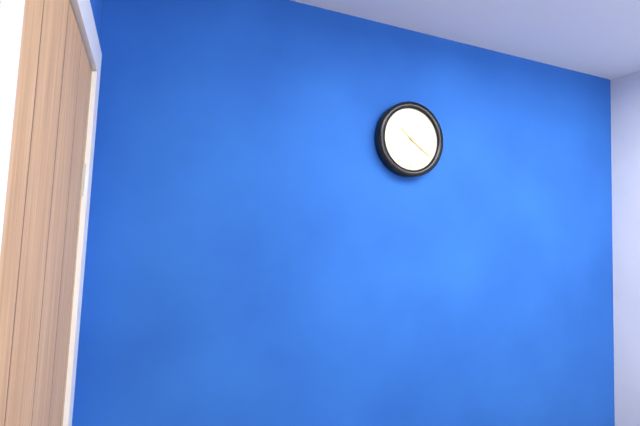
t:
10,21
